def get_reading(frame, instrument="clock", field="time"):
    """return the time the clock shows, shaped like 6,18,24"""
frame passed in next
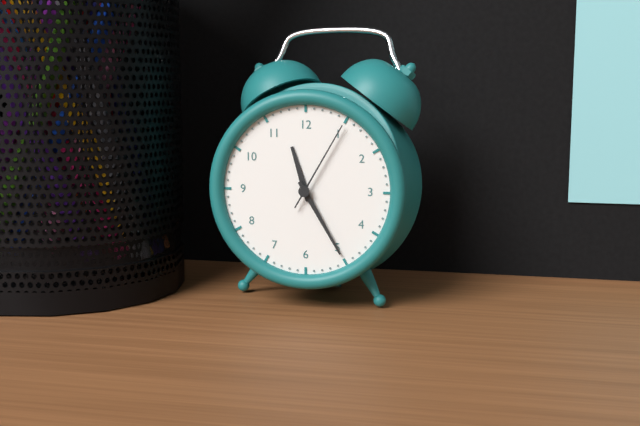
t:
11,25,05
